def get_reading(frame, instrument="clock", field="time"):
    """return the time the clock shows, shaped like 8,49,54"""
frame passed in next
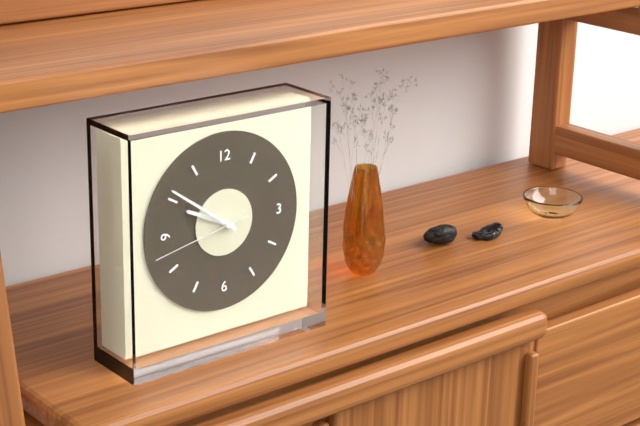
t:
9,51,43
